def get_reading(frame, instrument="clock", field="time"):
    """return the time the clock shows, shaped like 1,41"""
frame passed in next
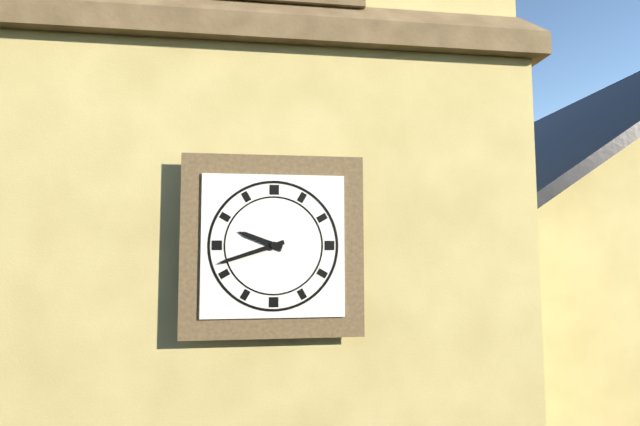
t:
9,42
